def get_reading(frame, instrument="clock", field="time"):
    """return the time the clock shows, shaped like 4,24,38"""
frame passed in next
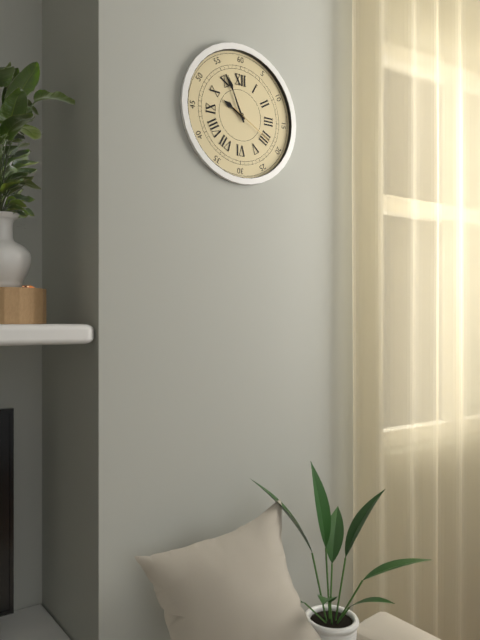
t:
9,56,20
